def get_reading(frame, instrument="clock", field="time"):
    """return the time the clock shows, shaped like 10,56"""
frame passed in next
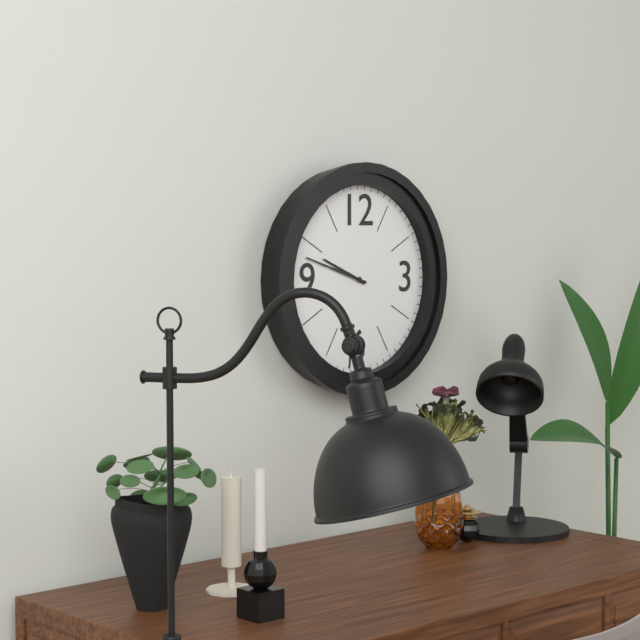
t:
9,48
